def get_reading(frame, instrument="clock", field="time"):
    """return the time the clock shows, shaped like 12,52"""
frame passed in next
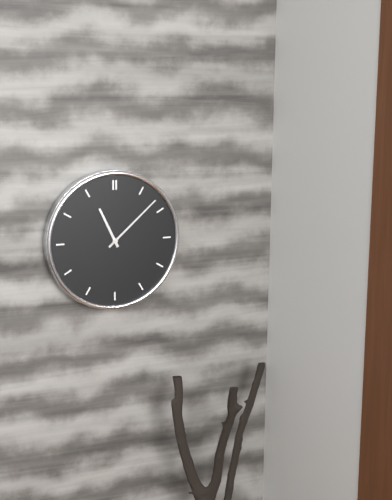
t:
11,08
